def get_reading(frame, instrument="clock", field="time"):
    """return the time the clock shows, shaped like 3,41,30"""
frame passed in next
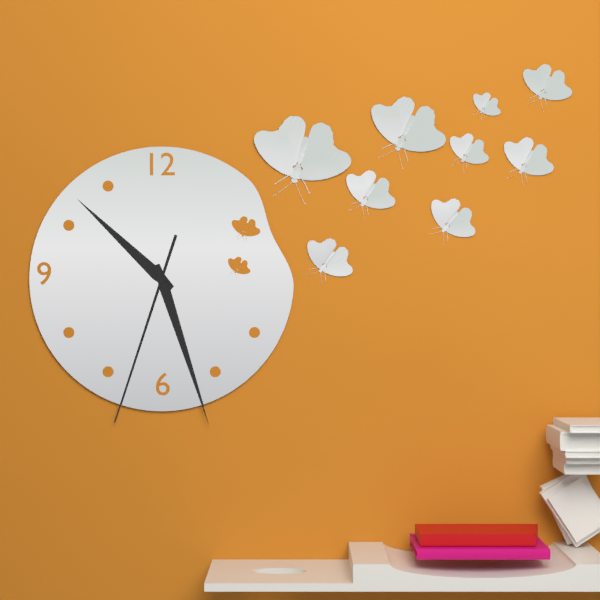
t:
10,27,33
